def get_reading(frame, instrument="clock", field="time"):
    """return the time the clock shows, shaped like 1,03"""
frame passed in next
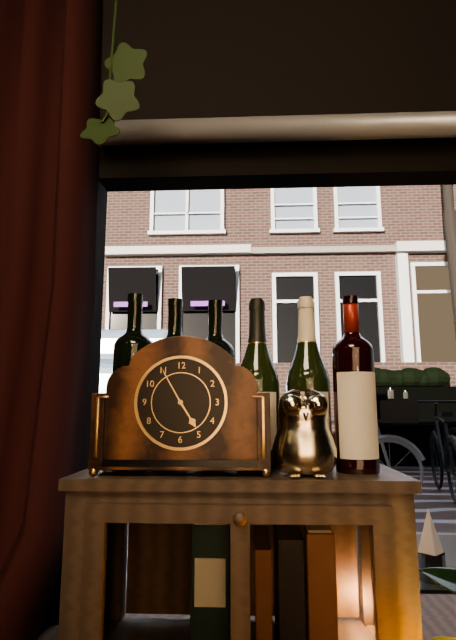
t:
4,55
